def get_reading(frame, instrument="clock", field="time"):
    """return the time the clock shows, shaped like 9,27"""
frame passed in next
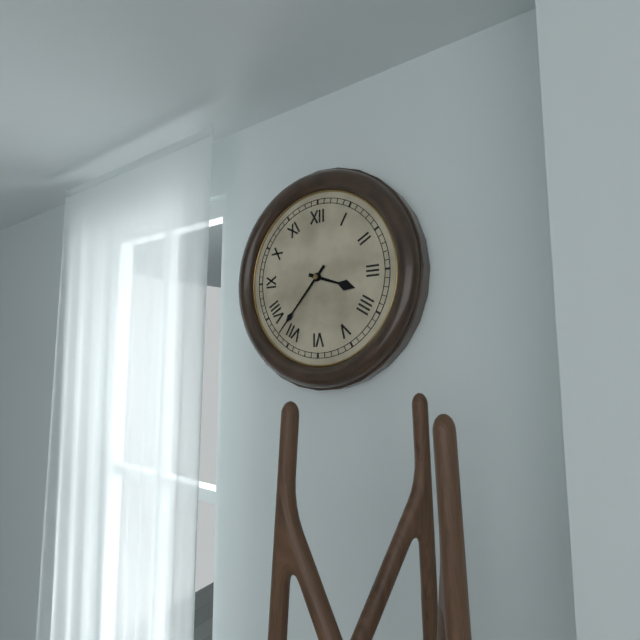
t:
3,37
